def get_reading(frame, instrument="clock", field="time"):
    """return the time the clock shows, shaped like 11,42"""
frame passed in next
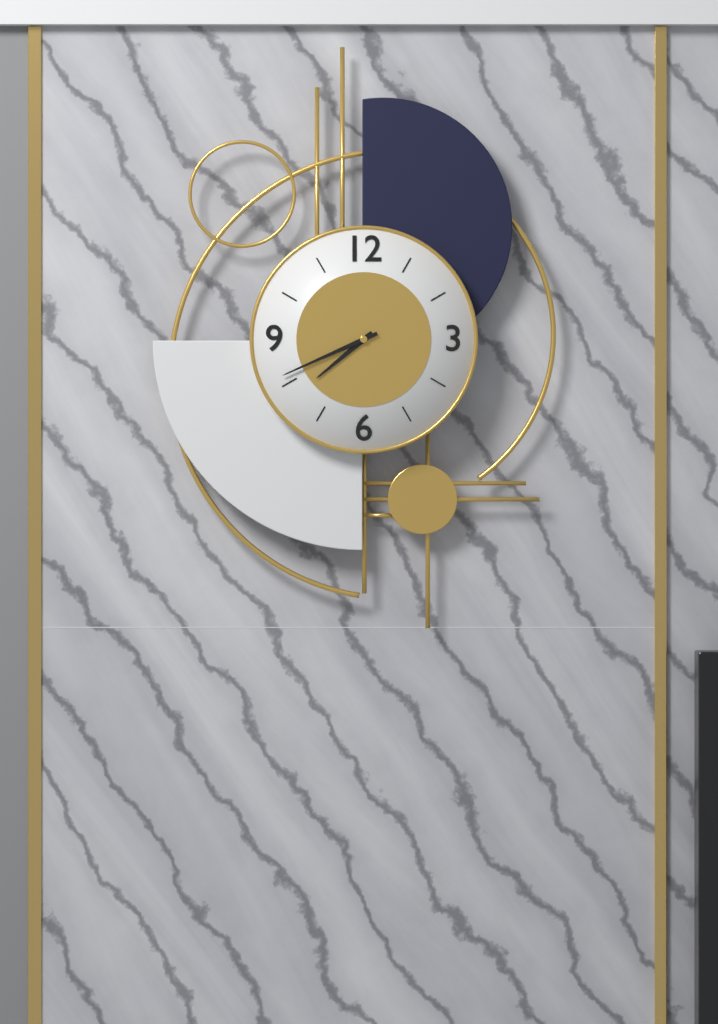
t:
7,41
